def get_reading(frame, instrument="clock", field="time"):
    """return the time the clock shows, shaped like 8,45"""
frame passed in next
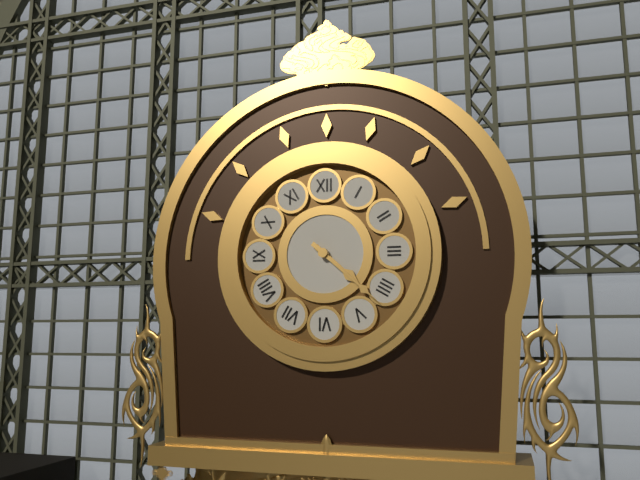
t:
4,22
